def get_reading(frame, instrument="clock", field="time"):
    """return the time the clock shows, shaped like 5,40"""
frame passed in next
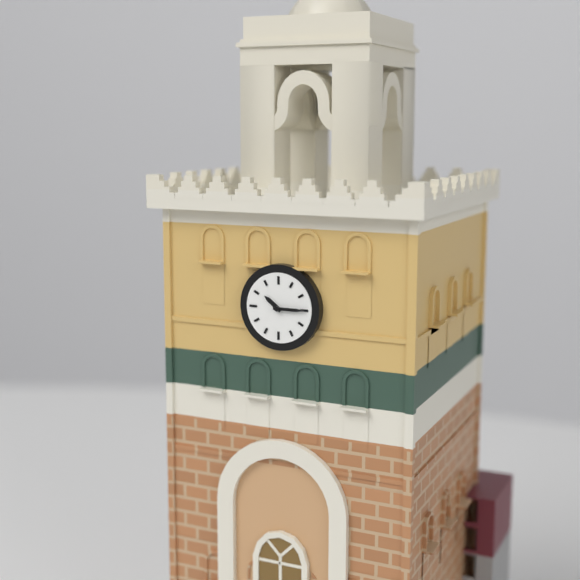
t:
10,15
